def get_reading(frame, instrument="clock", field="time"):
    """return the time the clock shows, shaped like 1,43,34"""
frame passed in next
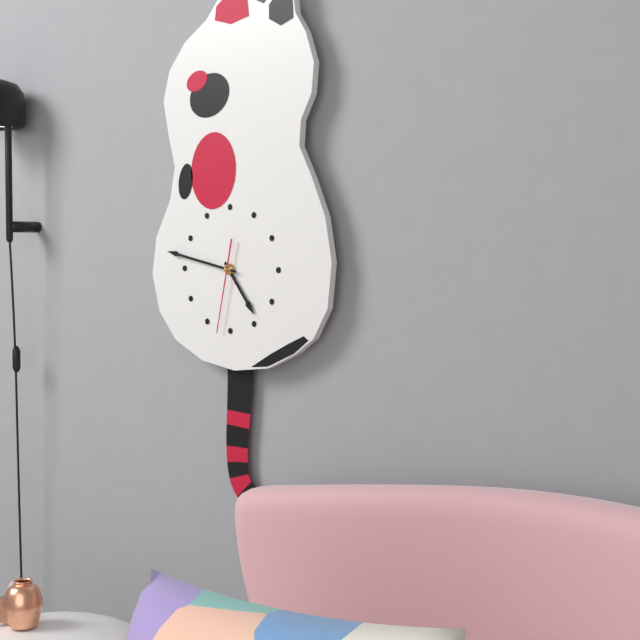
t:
4,47,32
